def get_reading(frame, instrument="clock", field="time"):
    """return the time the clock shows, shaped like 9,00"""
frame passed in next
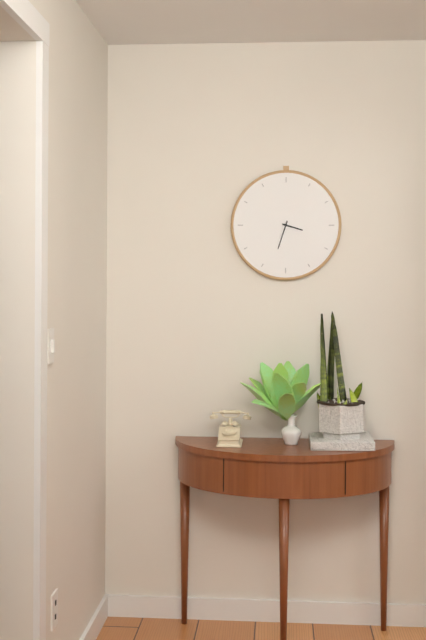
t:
3,33
